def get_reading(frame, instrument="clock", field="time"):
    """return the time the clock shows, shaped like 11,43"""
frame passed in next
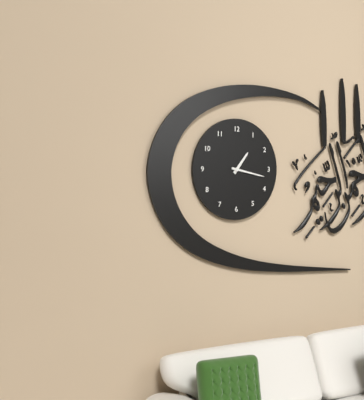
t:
1,17
